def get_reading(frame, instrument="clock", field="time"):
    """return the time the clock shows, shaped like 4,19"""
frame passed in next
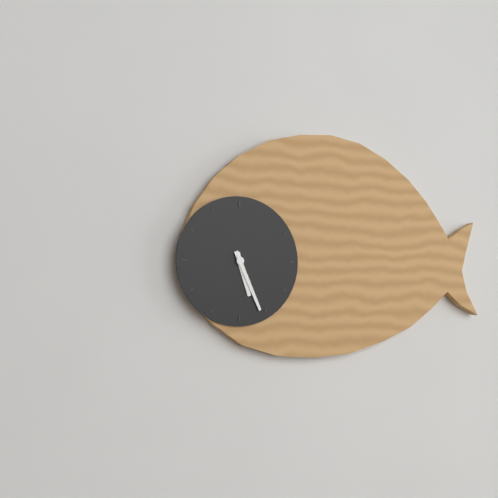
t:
5,26
